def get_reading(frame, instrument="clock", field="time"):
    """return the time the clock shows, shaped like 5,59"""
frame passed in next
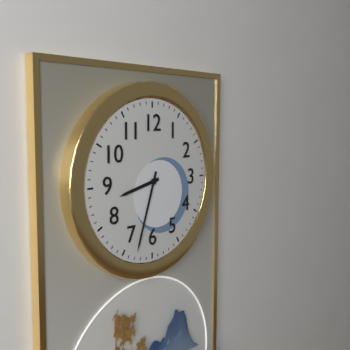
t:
8,33
